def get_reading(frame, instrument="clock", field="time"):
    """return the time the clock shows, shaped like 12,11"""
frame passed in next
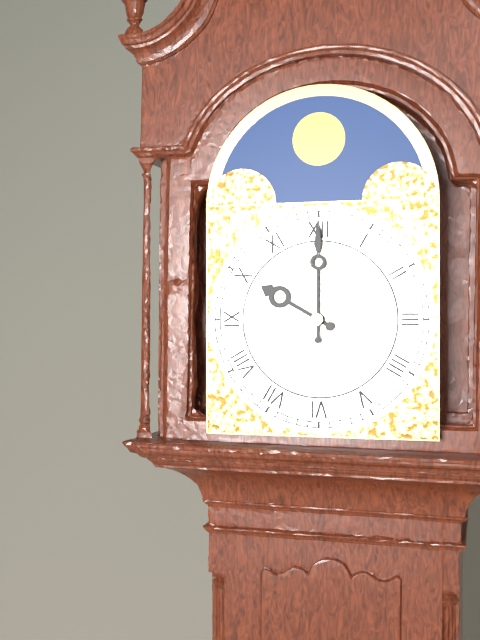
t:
10,00
